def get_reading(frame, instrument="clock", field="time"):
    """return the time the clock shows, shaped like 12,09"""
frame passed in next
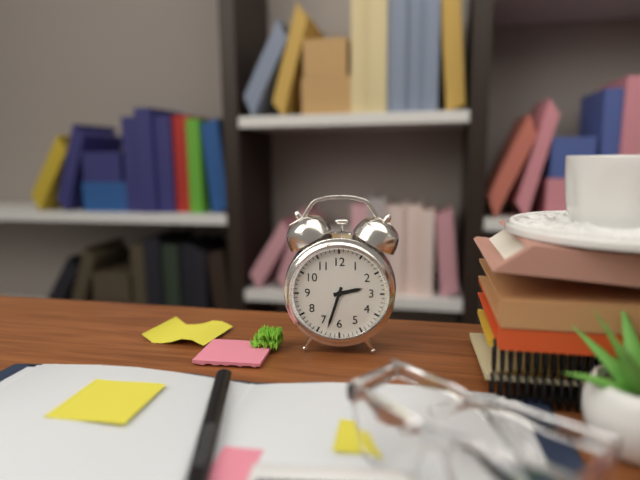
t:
2,33
